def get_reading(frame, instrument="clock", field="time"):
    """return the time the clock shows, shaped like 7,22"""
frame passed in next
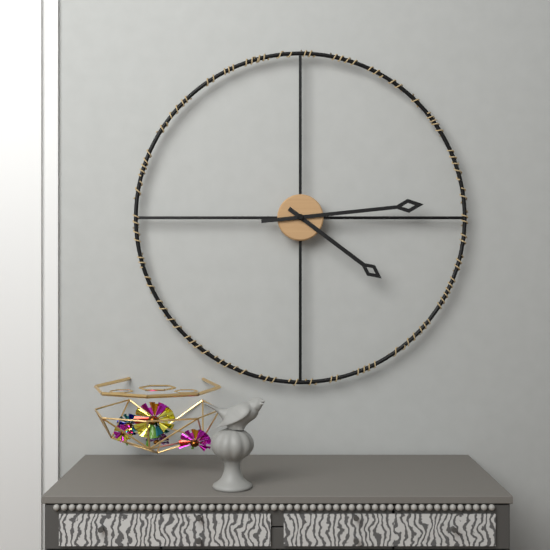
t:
4,14
